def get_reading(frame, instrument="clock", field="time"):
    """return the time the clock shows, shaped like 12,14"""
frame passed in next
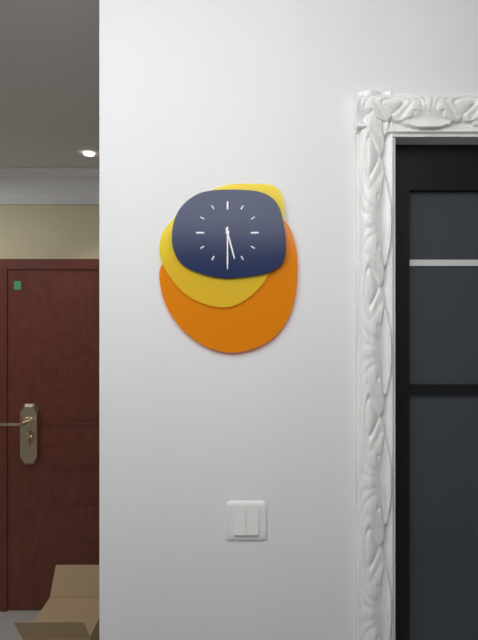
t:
5,30
